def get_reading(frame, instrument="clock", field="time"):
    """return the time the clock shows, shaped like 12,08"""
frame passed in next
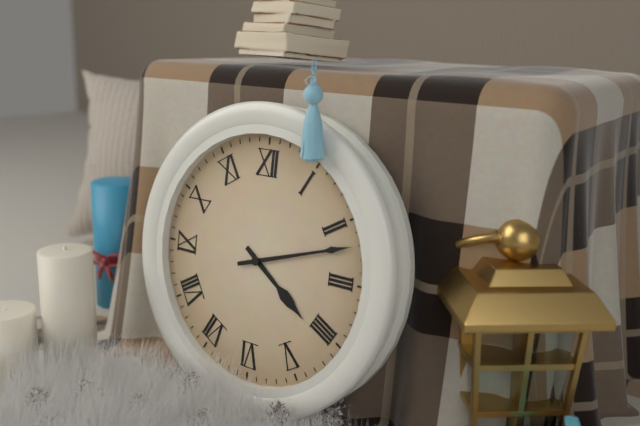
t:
4,12
